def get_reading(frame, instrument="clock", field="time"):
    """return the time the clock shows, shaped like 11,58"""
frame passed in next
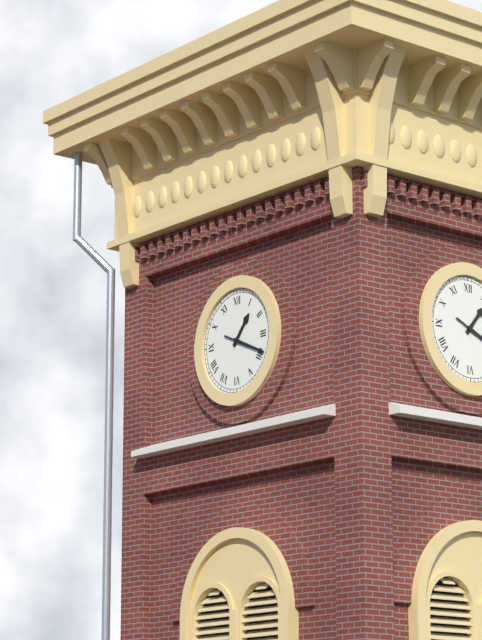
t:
1,19
